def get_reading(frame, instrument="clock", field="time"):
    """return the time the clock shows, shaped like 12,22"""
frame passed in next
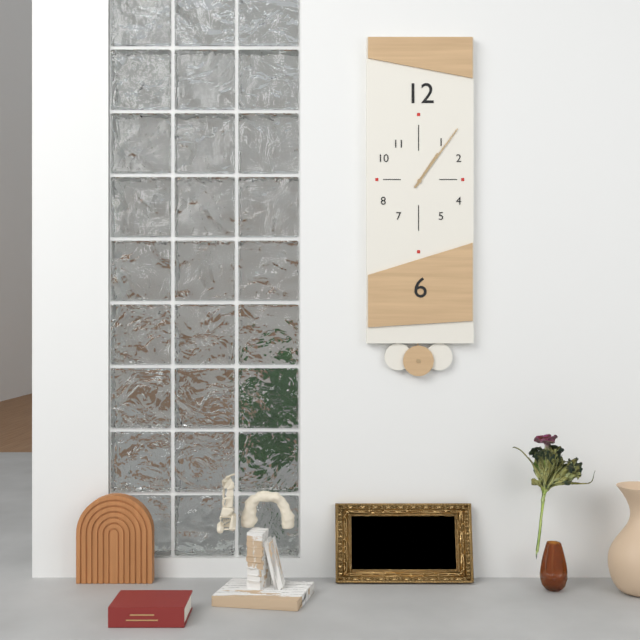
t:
1,06
